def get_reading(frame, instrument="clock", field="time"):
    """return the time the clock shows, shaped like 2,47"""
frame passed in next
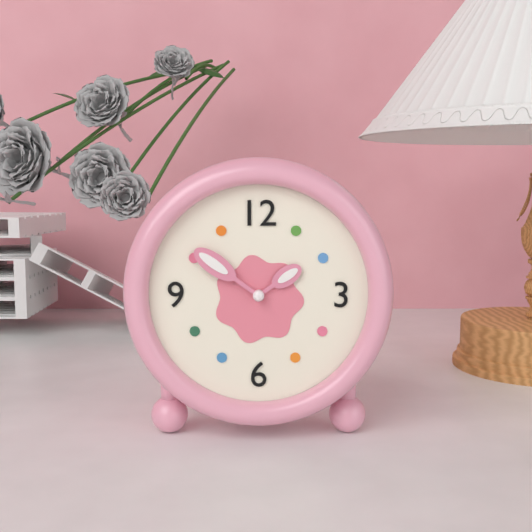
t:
1,51
